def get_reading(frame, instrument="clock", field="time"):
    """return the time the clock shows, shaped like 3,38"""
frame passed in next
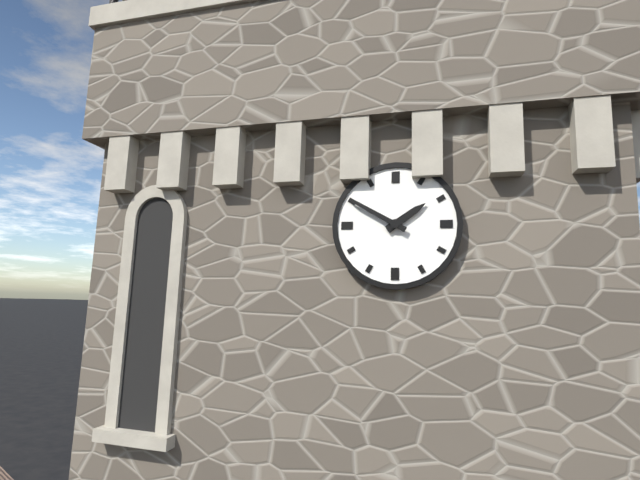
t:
1,50
